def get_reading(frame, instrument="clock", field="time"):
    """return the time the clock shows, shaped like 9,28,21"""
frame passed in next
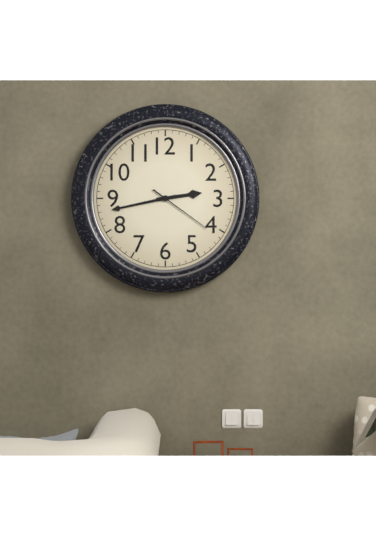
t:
2,43,21
